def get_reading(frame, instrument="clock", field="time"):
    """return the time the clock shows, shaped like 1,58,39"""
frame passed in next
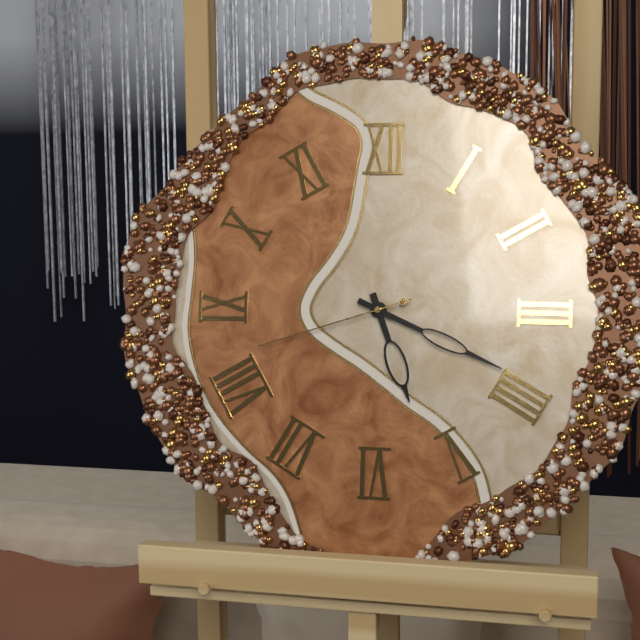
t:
5,19,42
